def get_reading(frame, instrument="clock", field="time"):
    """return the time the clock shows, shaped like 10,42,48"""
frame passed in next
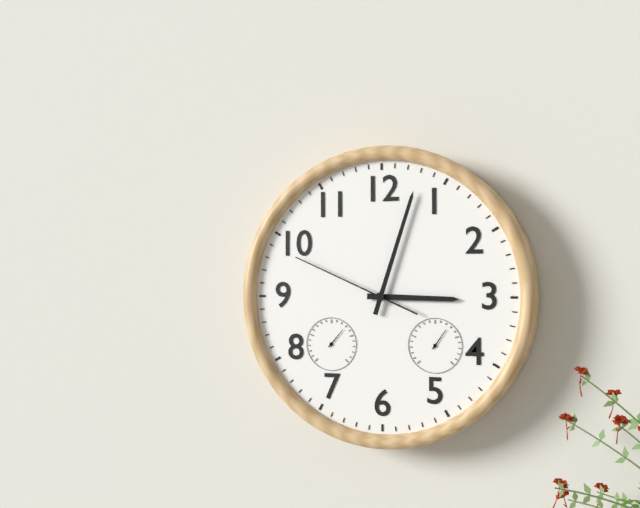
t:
3,03,49
